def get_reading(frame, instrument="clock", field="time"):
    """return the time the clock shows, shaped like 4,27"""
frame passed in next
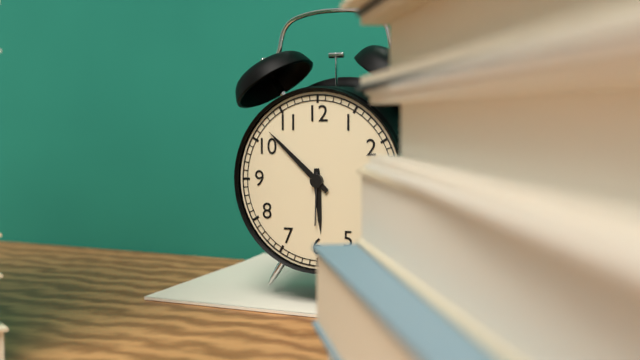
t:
5,52
